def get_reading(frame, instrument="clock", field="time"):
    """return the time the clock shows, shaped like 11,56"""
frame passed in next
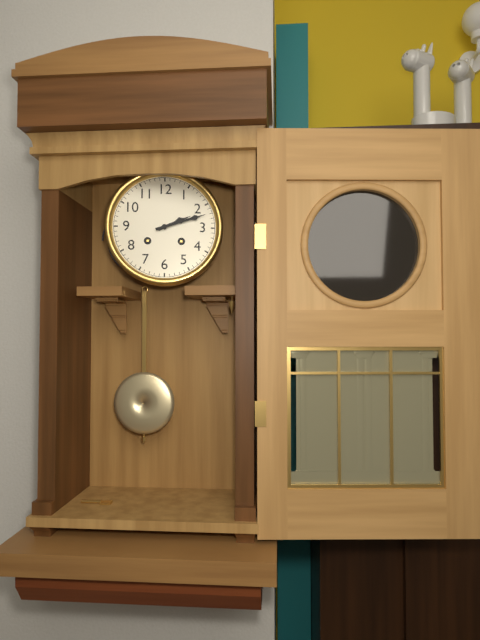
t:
2,12
